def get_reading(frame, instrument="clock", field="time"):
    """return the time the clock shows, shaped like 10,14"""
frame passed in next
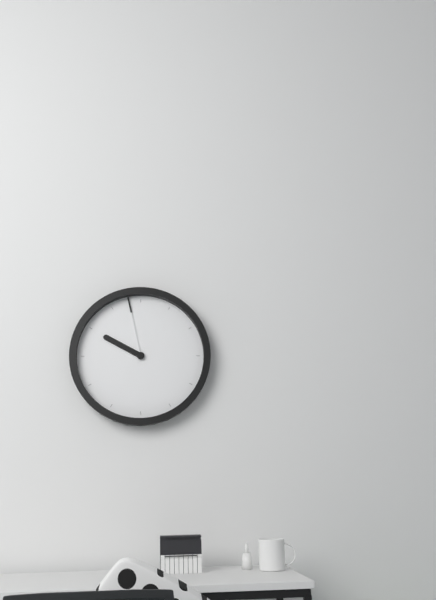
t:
9,58
